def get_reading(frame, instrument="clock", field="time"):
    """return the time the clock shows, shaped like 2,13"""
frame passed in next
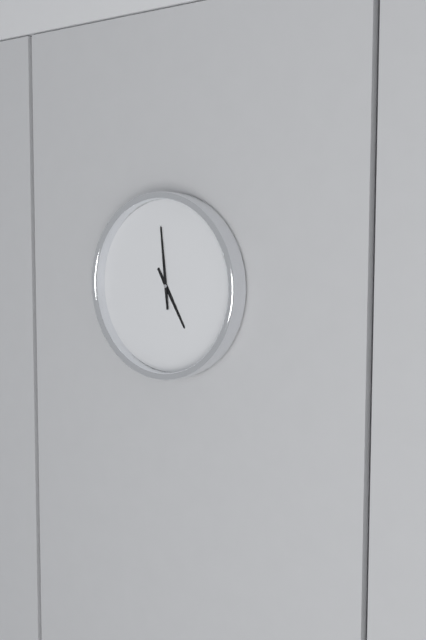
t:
4,59
